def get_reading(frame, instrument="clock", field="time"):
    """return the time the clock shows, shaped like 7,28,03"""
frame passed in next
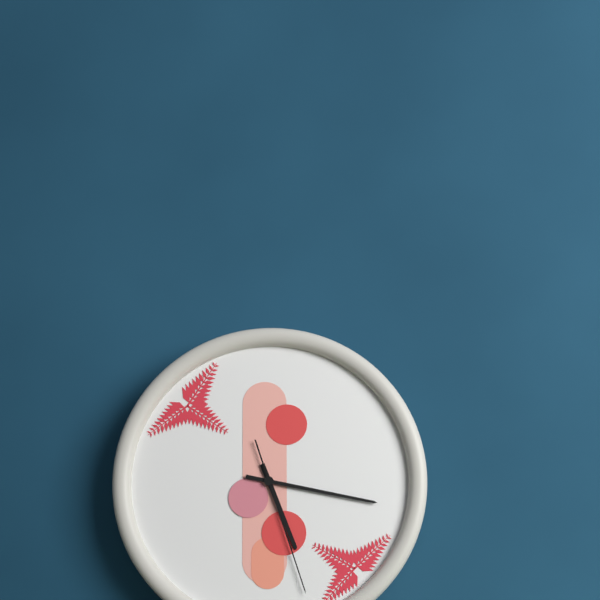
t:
5,17,27
